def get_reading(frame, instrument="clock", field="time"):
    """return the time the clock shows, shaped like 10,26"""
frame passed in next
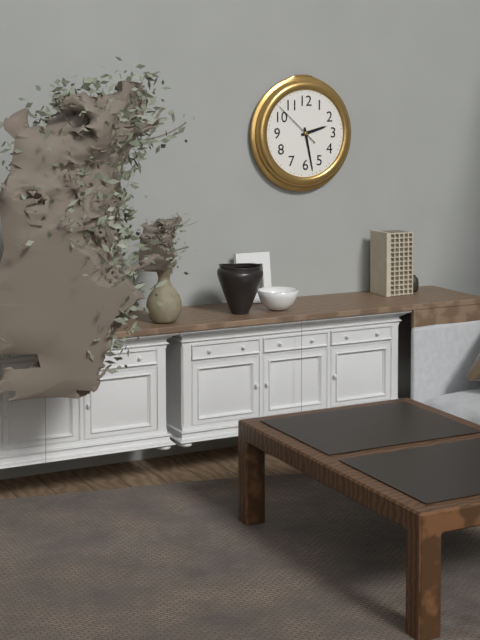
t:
2,28
